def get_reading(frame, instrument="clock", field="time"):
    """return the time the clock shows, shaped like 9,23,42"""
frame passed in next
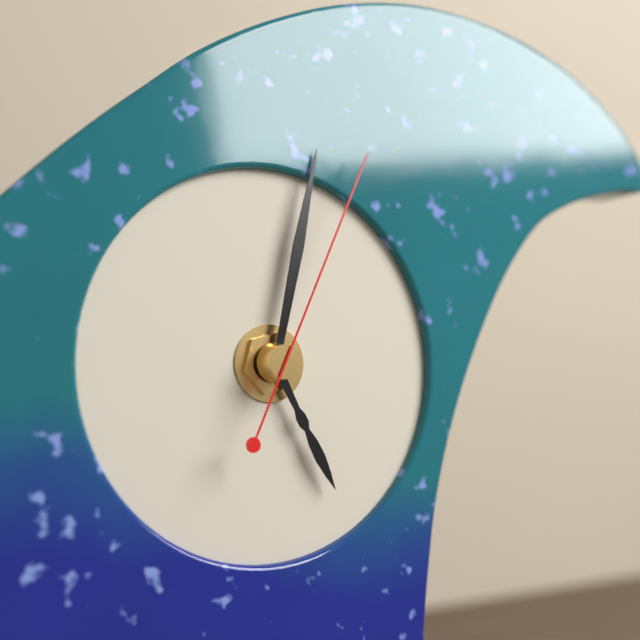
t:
5,02,04
